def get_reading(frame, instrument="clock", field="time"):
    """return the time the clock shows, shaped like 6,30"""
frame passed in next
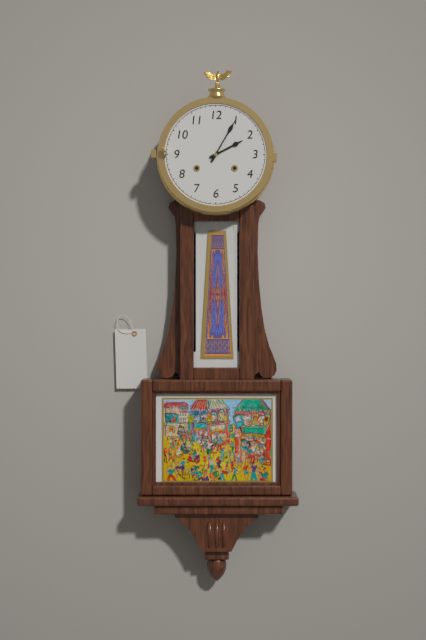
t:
2,05
